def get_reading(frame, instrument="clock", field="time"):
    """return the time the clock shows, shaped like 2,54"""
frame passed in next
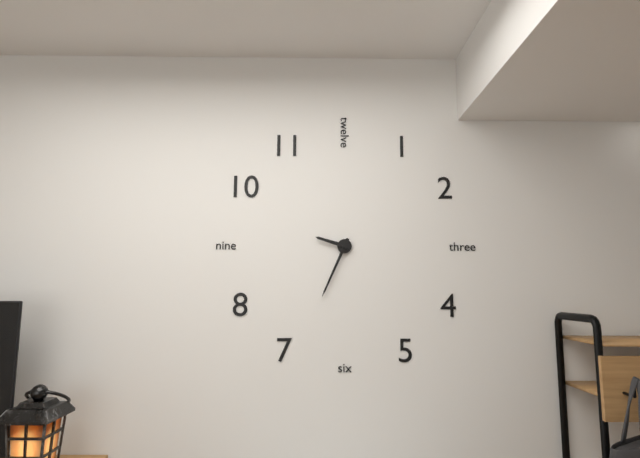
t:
9,34
